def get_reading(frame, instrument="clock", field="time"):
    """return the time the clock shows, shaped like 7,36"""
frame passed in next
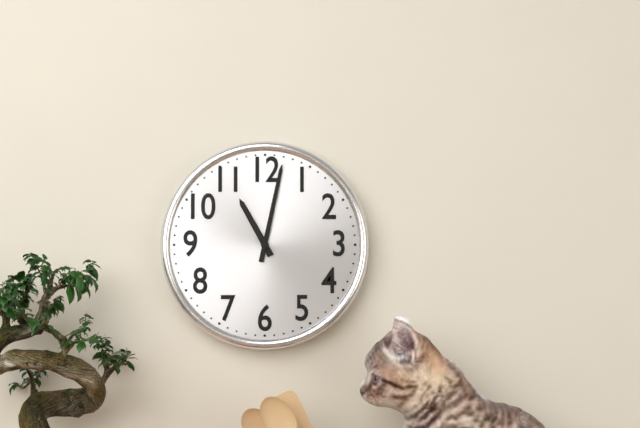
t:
11,02
